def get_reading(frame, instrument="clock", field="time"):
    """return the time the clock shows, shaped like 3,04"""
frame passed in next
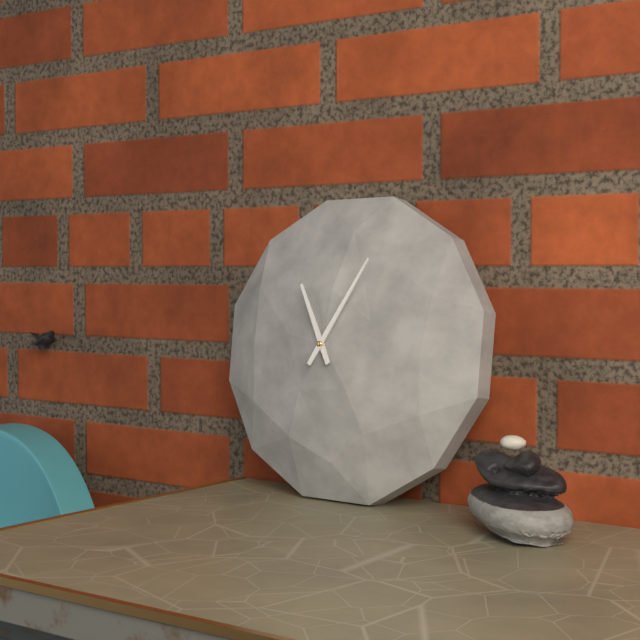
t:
11,05
